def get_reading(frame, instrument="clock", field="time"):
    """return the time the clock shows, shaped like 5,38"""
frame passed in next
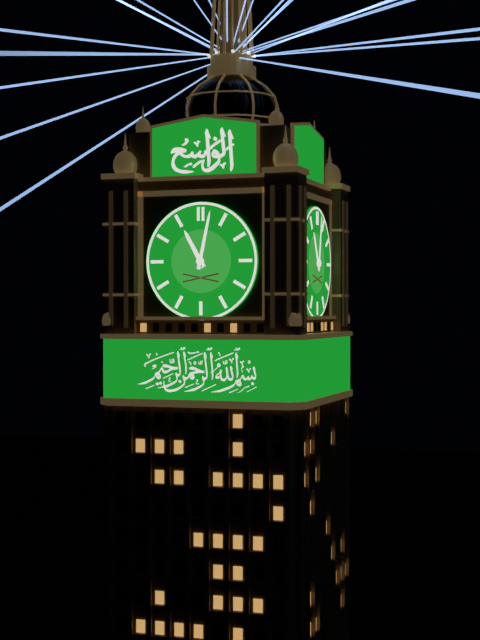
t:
11,02
